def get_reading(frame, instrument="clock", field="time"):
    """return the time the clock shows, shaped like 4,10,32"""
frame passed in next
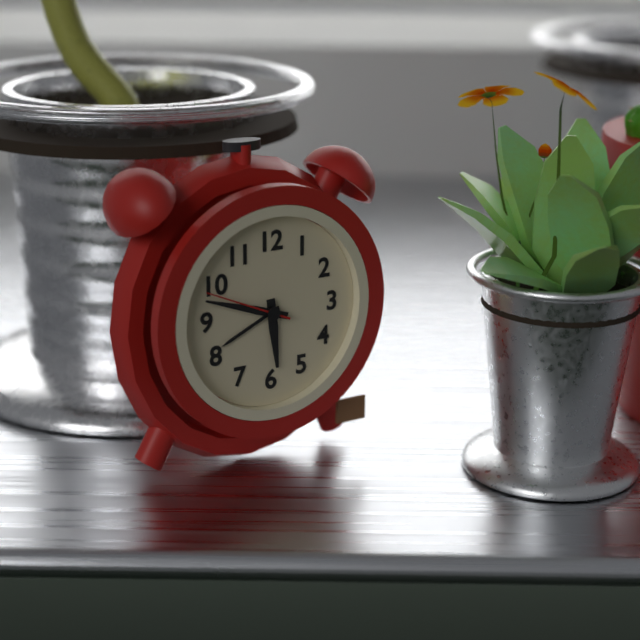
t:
5,48,49
